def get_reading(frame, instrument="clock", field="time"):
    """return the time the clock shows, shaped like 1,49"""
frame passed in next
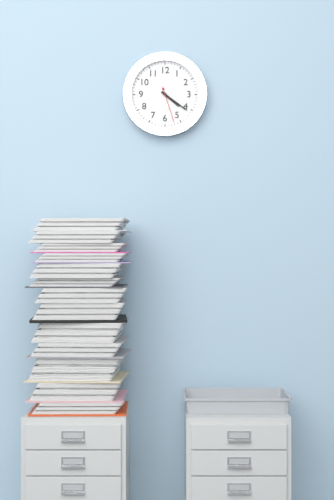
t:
4,21
